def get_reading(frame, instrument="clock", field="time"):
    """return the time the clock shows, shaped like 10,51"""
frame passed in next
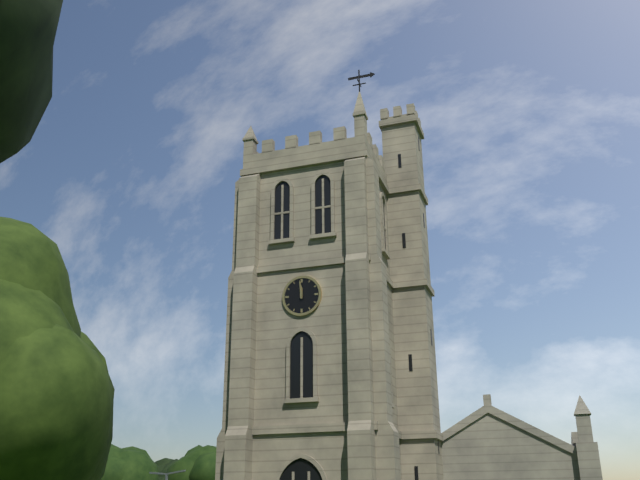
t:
11,59
